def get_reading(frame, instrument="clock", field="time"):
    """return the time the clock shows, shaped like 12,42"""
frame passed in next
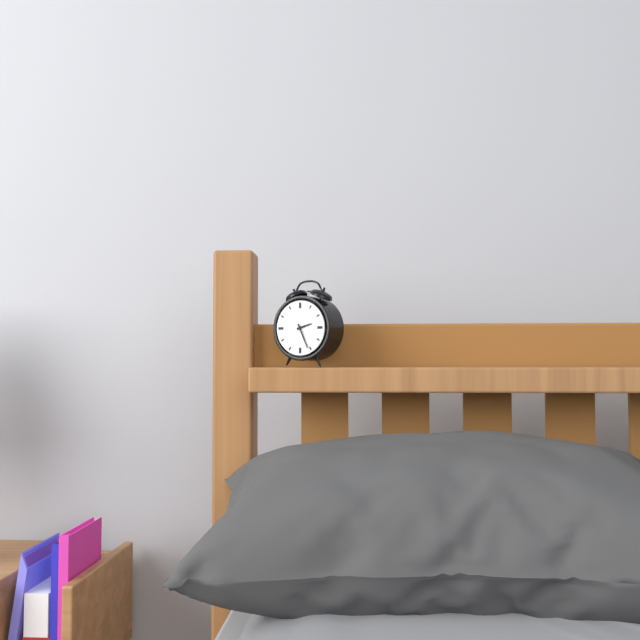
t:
2,26
